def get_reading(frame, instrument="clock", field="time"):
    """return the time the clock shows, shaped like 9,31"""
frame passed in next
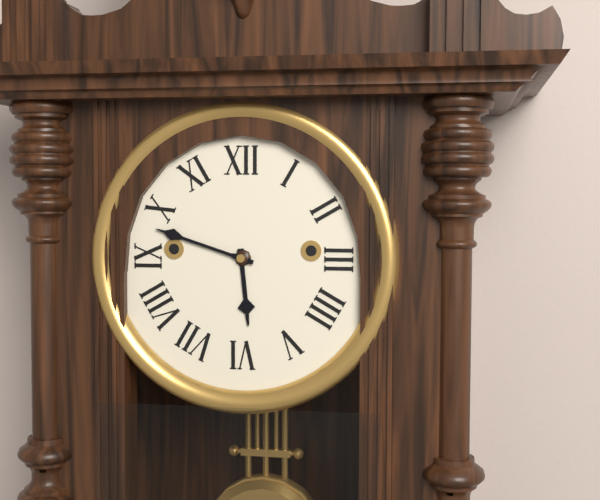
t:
5,48
